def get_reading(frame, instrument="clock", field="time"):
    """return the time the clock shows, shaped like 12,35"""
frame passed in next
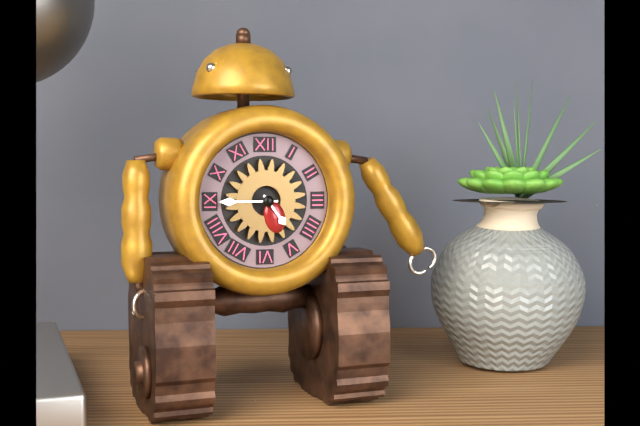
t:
4,45
